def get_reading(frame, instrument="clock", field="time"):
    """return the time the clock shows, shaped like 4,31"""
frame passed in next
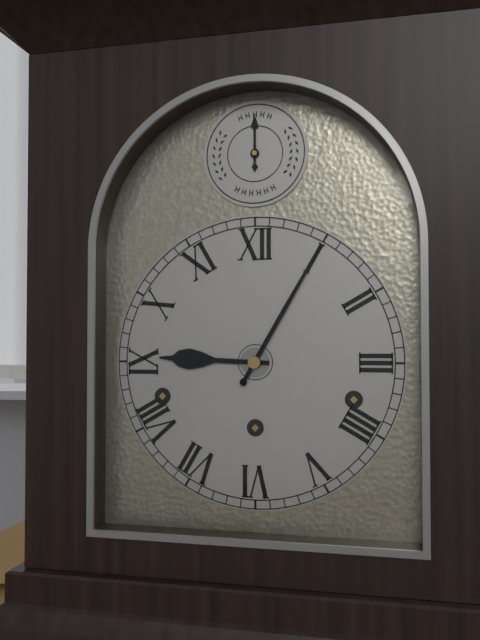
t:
9,05
